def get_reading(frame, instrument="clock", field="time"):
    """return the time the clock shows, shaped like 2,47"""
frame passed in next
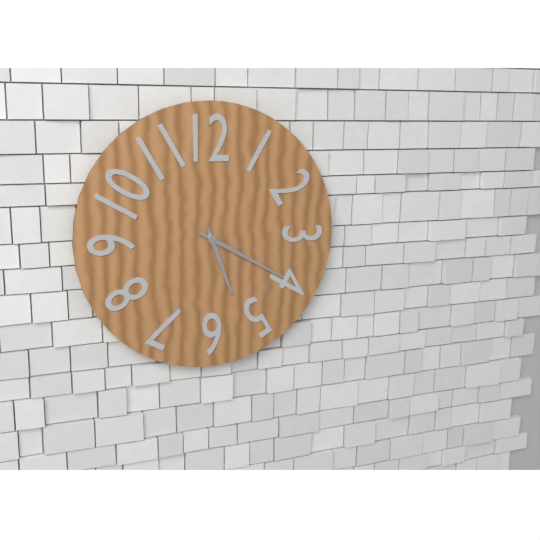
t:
5,20
